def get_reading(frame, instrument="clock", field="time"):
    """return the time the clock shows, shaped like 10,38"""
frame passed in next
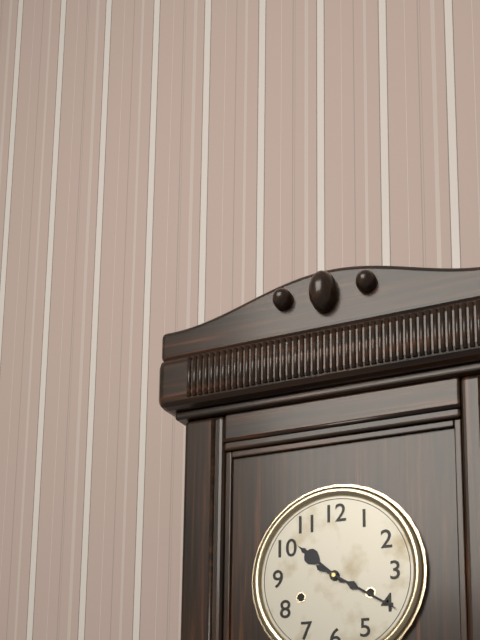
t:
10,20
